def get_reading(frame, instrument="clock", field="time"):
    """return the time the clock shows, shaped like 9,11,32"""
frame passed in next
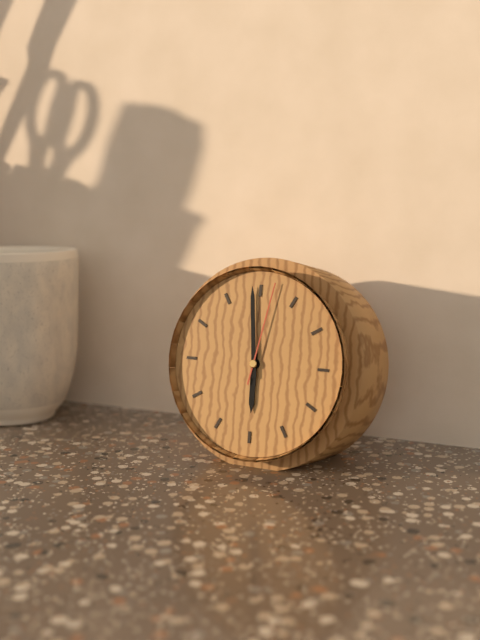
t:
5,59,02
